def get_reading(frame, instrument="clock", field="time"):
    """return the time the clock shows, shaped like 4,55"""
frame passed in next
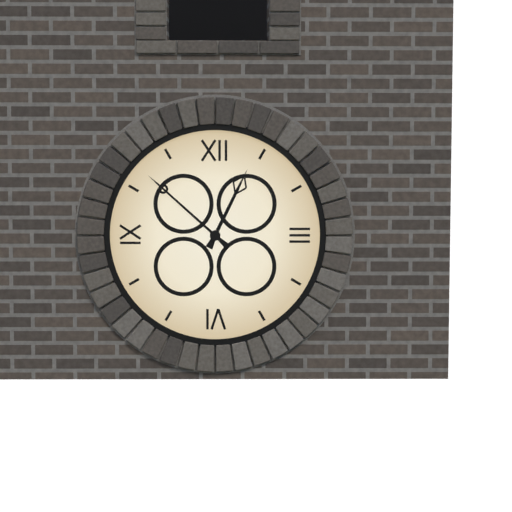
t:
12,52
